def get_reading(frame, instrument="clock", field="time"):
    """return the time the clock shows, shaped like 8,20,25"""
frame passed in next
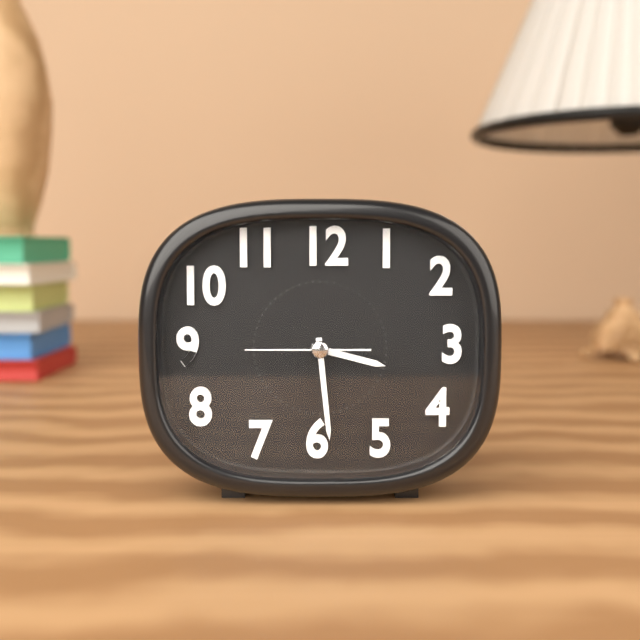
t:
3,29,45
